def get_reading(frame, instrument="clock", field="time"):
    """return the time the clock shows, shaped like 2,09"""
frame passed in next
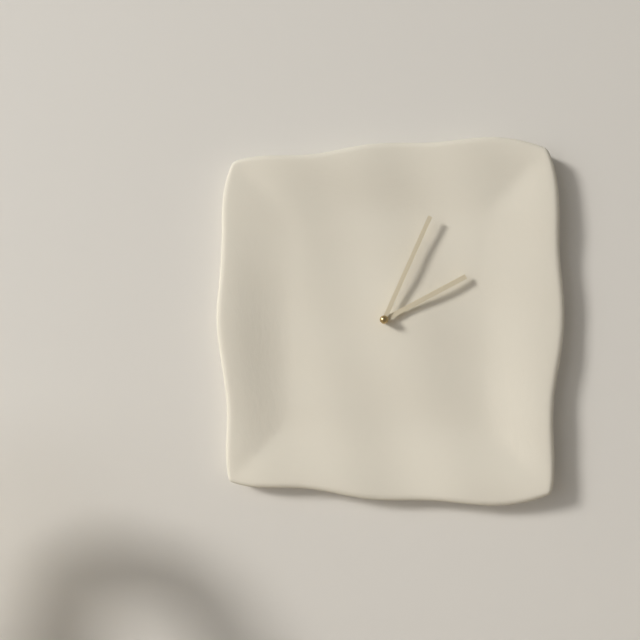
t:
2,04
